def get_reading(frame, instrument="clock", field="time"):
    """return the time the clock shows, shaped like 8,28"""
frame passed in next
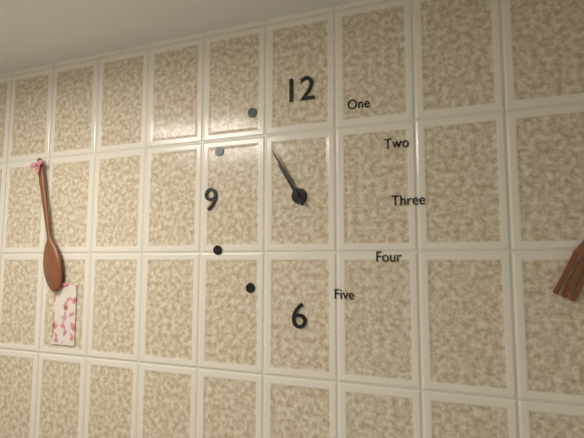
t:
10,55
